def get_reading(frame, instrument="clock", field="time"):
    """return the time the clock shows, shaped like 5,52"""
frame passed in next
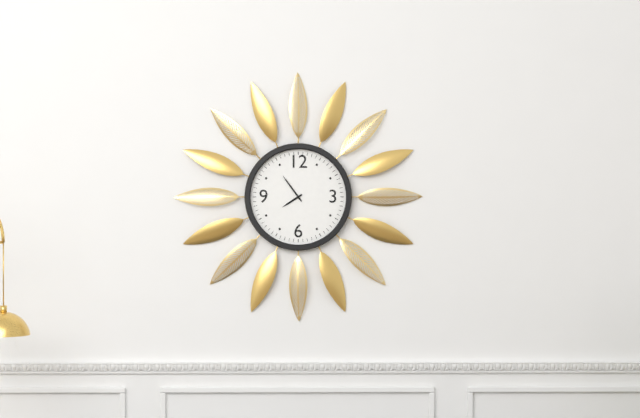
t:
7,54
